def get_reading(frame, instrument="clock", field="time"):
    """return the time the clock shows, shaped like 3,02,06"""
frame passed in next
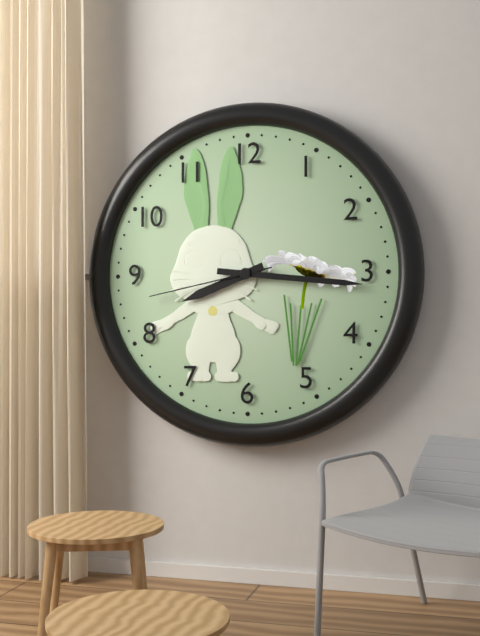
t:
8,16,43
